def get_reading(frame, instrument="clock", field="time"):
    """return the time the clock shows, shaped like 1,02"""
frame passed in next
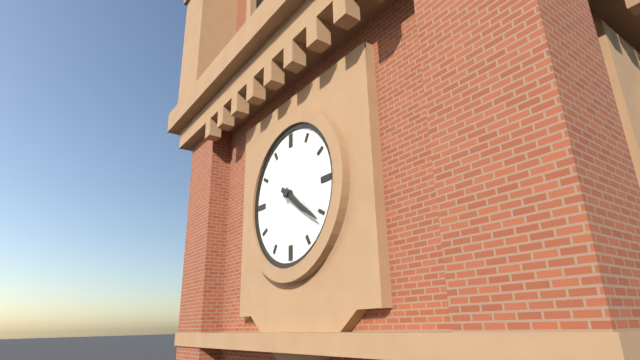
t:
4,21
